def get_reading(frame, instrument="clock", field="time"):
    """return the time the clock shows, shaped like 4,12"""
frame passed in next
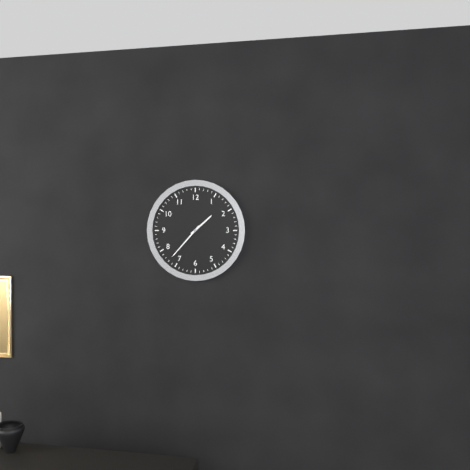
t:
1,37
